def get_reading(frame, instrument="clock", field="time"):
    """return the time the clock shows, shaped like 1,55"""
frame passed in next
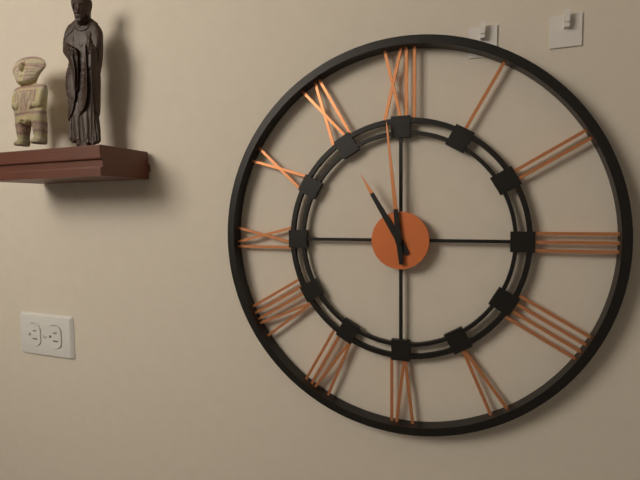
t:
10,59
